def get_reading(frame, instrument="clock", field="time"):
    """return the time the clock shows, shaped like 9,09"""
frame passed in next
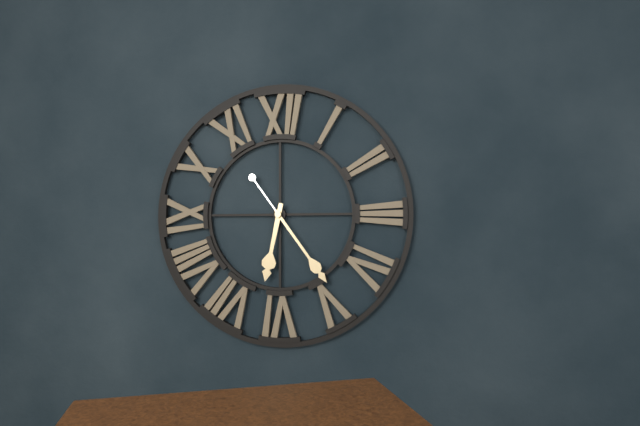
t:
6,24
